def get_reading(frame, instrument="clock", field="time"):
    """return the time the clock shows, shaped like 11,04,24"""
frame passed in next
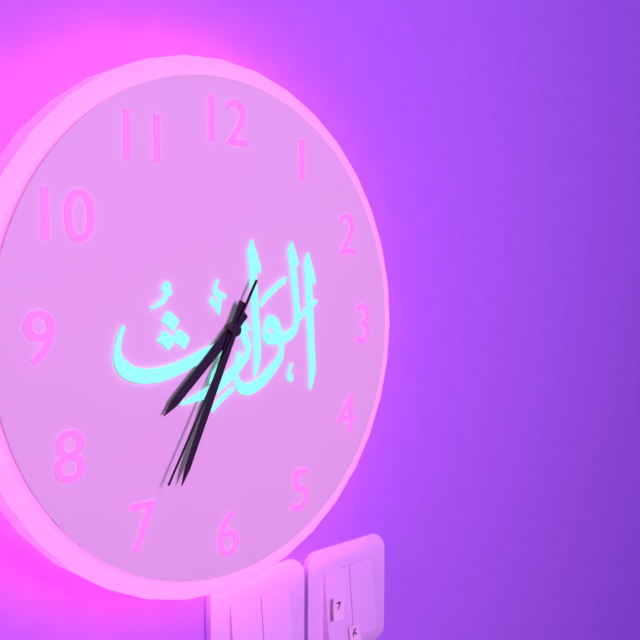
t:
7,34,35
